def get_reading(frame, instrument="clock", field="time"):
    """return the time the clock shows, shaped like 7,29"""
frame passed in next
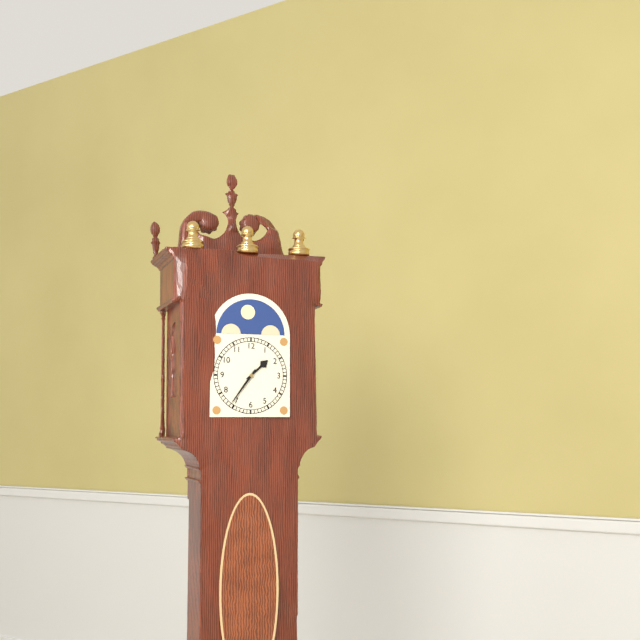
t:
1,36
